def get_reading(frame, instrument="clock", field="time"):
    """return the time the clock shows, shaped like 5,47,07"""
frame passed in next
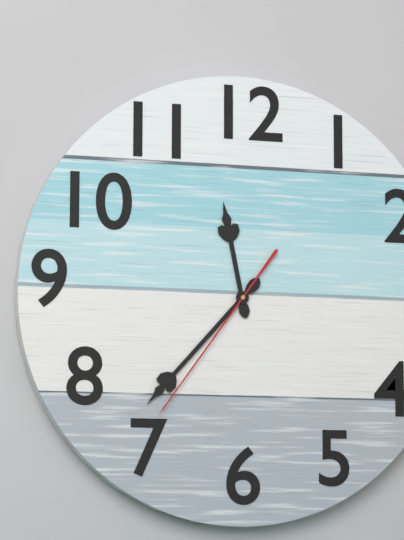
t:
11,37,36
